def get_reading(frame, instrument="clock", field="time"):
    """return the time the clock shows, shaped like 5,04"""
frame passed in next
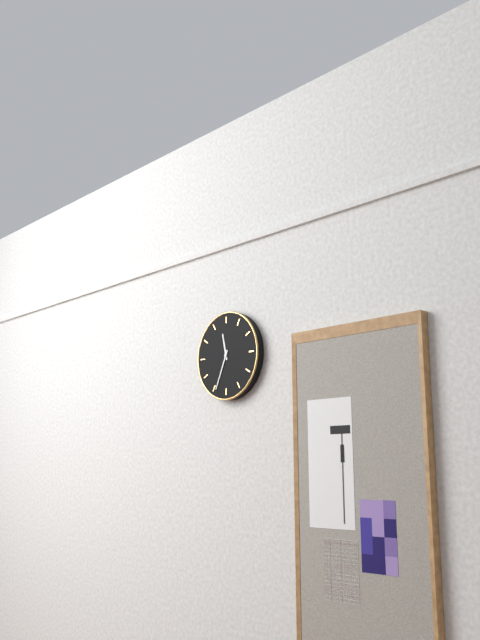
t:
11,34
